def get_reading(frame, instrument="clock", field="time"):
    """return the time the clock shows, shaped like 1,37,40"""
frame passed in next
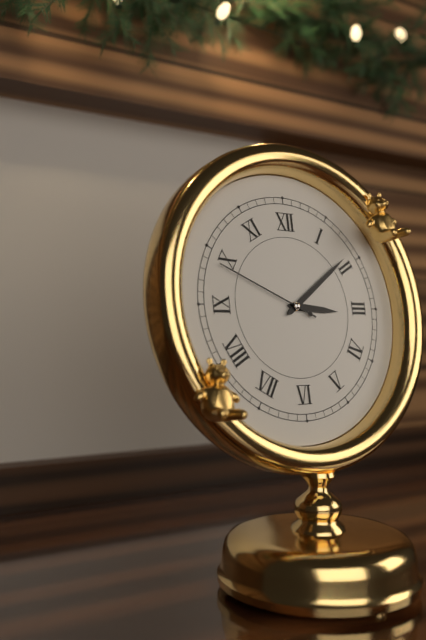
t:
3,09,49
